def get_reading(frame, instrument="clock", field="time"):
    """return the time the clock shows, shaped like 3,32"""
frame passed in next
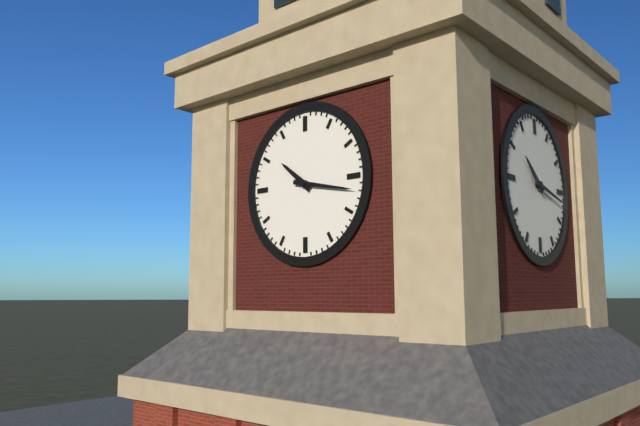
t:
10,17
